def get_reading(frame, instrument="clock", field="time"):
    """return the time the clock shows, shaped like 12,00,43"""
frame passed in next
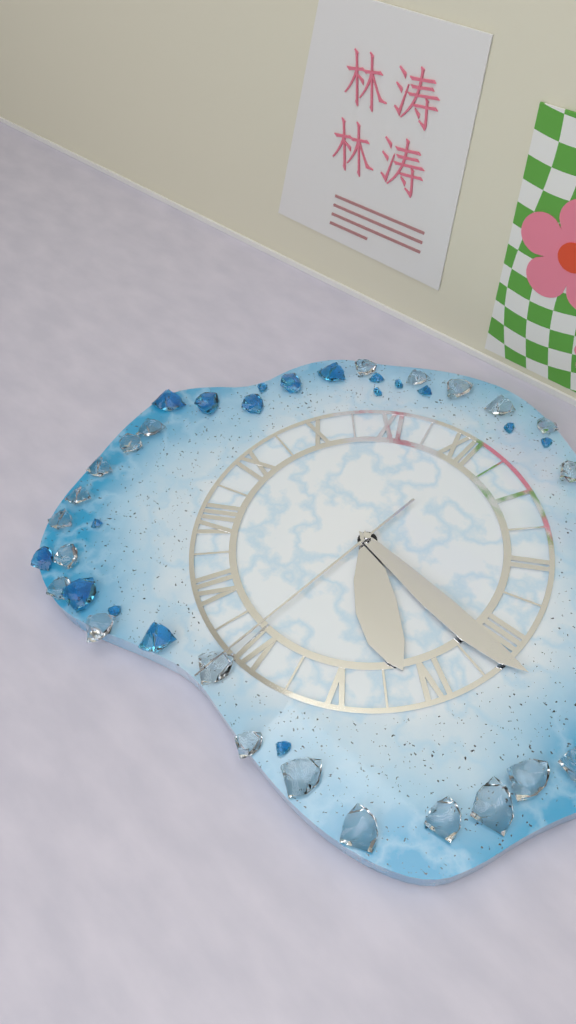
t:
4,16,31
